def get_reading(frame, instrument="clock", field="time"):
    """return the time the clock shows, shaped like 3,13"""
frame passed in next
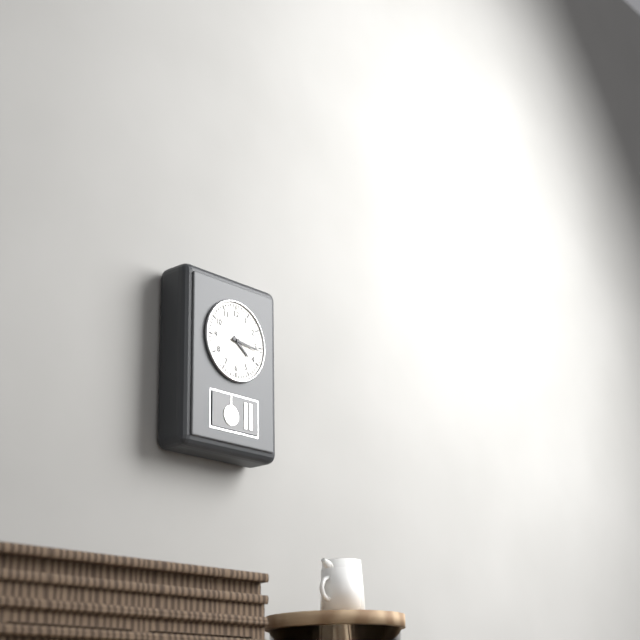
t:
4,16
